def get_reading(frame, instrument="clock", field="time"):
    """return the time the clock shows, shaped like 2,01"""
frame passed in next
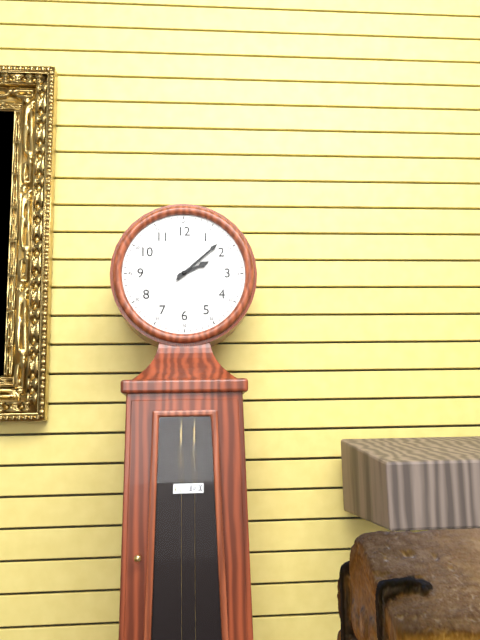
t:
2,08
